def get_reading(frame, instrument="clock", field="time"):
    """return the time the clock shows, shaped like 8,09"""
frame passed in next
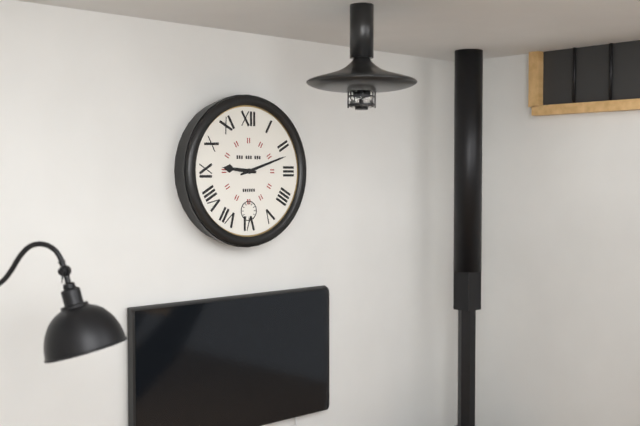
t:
9,12
